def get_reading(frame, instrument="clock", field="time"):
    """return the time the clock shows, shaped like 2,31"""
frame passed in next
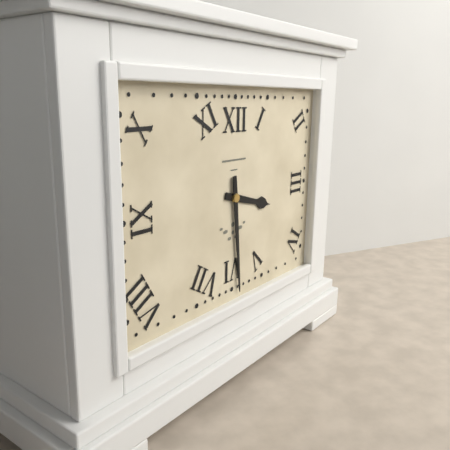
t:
3,29
